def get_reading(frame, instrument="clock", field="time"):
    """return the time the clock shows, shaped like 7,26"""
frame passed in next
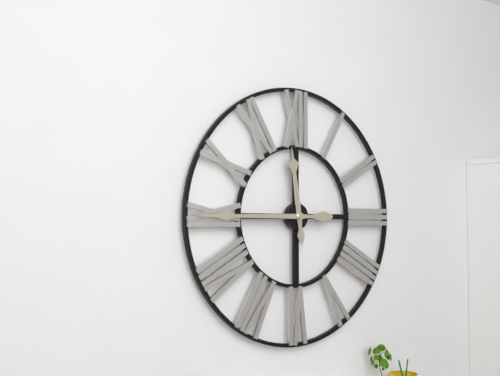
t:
11,45
